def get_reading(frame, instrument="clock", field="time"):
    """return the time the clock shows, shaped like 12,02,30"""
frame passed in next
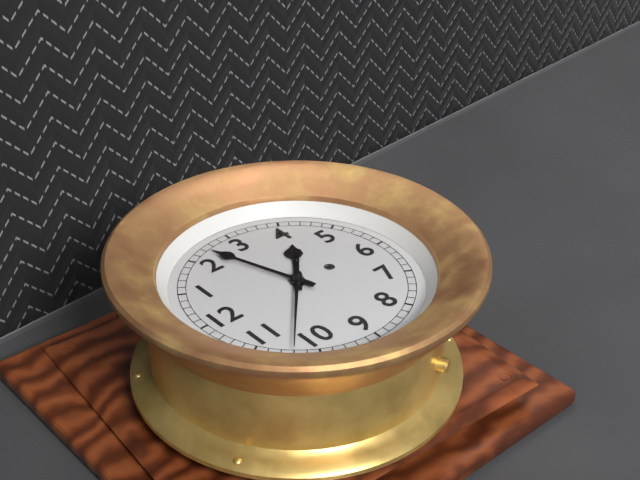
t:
4,12,52
